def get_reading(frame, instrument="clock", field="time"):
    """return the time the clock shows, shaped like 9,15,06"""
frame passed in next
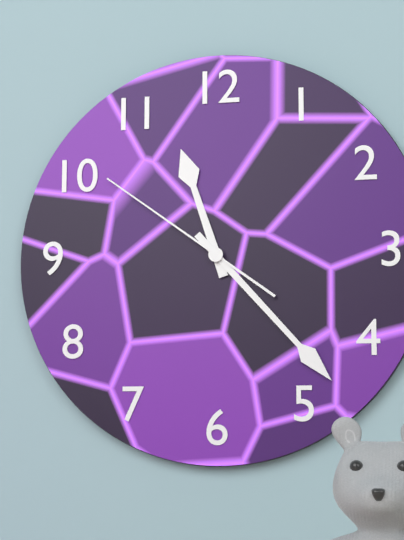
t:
11,23,51
